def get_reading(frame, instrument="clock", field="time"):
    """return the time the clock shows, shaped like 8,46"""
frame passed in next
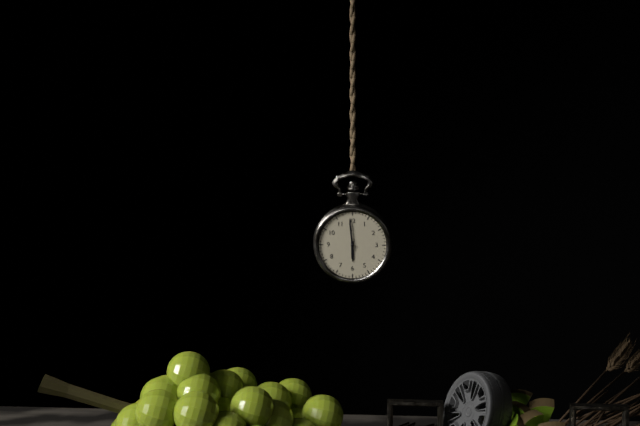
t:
5,59
